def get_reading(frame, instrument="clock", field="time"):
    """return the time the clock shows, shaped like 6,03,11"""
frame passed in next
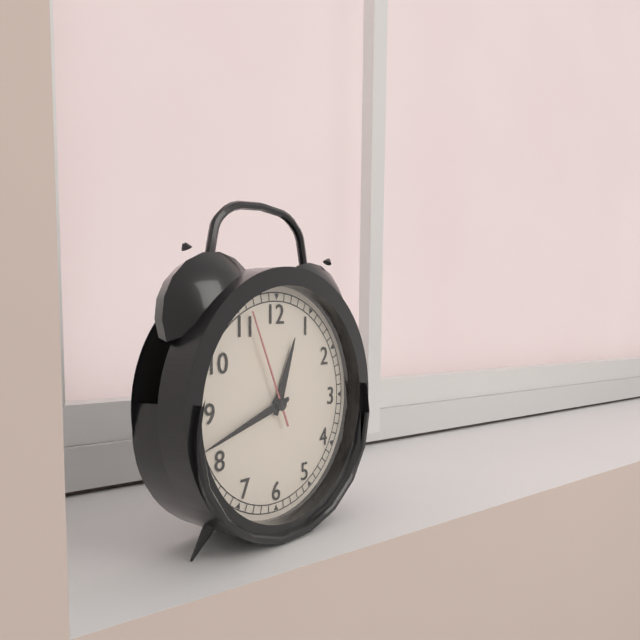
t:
12,42,56
